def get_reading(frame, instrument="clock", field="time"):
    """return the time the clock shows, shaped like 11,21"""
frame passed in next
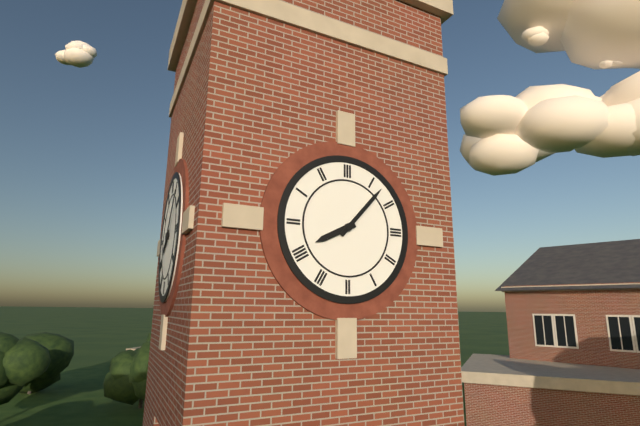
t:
8,07
